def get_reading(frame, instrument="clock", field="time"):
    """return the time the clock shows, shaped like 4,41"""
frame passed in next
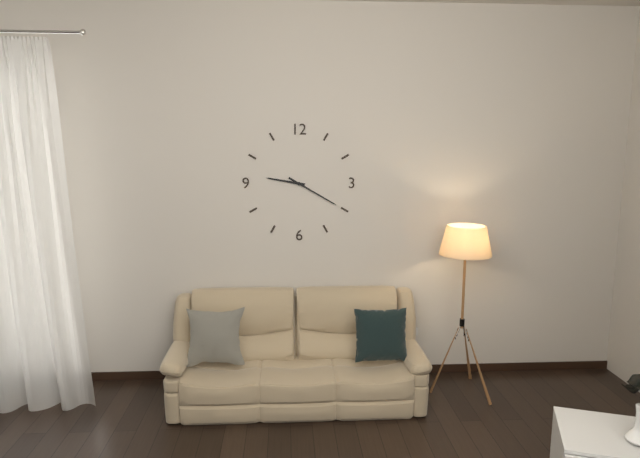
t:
9,20
